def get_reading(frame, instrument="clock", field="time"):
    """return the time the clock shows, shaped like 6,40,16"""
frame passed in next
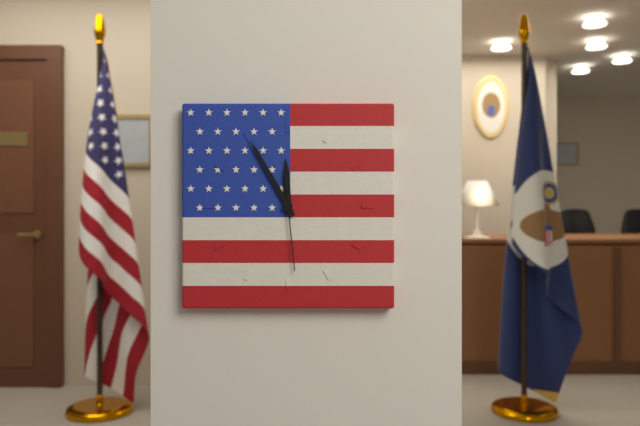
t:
11,55,29
